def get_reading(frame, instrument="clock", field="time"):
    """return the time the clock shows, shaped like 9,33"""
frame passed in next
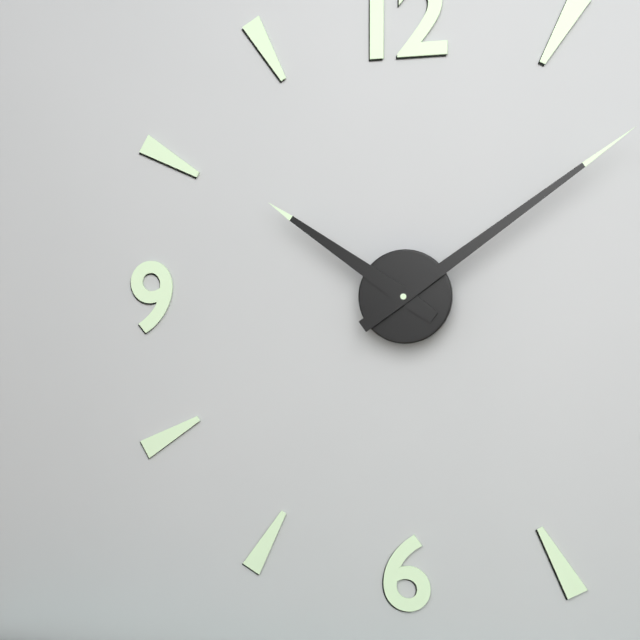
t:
10,09
